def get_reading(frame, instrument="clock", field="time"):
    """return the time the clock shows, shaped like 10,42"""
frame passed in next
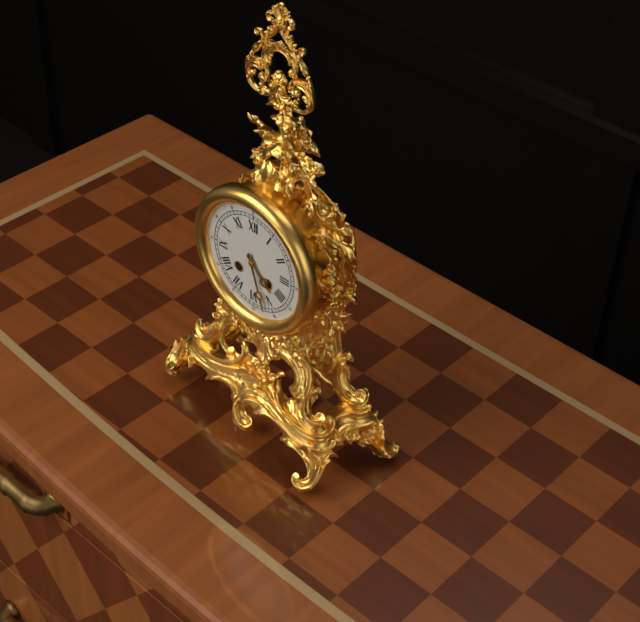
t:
4,27
